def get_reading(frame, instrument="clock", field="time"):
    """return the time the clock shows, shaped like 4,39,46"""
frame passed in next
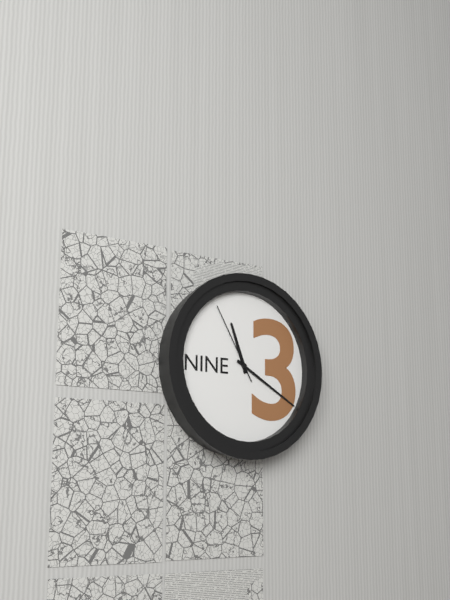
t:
11,20,55
